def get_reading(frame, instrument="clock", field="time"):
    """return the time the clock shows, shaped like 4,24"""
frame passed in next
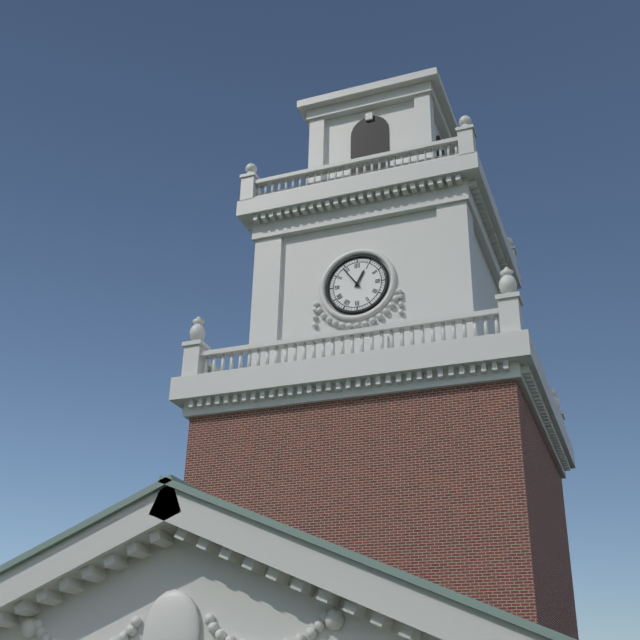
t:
12,54
